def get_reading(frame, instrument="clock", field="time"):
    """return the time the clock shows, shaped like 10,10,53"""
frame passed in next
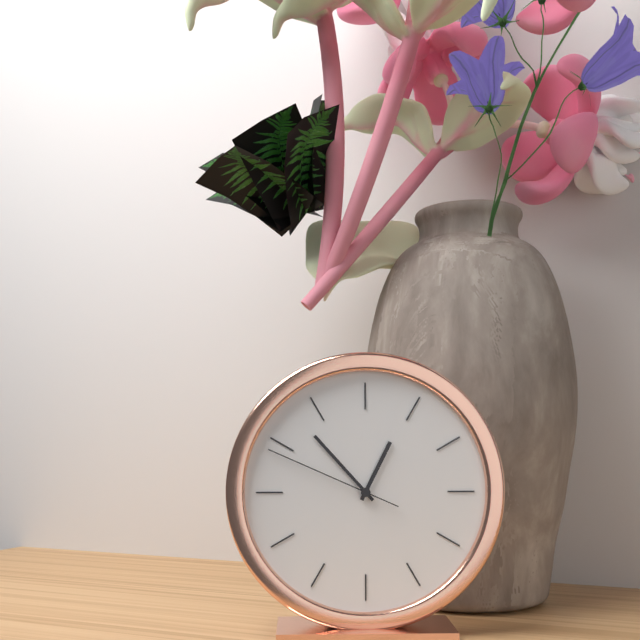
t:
12,53,49
